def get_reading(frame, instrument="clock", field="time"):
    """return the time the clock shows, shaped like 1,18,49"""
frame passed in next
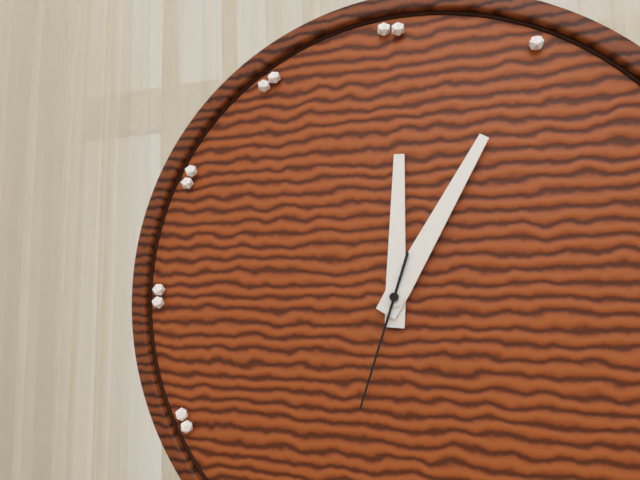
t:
12,05,33
